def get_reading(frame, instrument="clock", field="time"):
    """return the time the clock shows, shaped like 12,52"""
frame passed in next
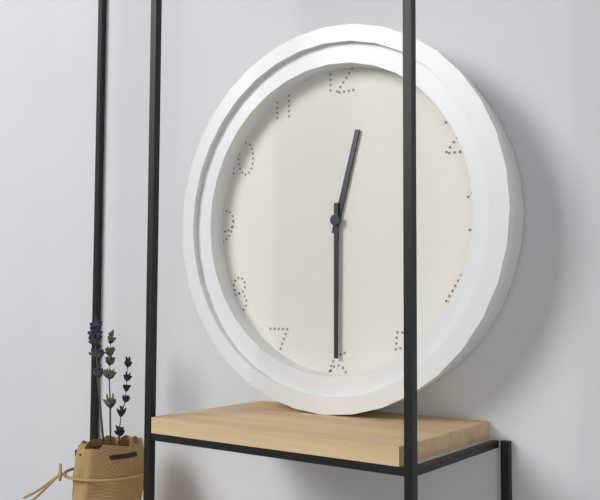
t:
12,30
